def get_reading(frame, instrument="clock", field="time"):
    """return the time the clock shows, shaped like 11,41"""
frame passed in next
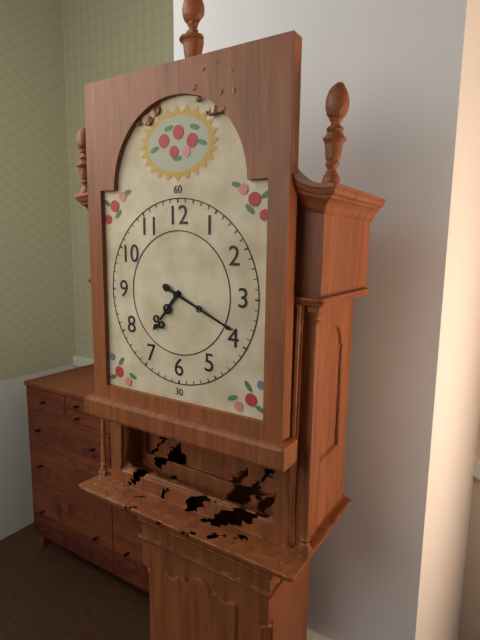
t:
7,19
